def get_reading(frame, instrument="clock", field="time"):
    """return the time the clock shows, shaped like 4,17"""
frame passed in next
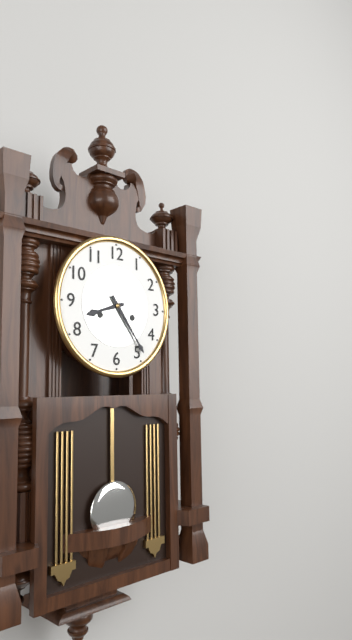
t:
8,24
